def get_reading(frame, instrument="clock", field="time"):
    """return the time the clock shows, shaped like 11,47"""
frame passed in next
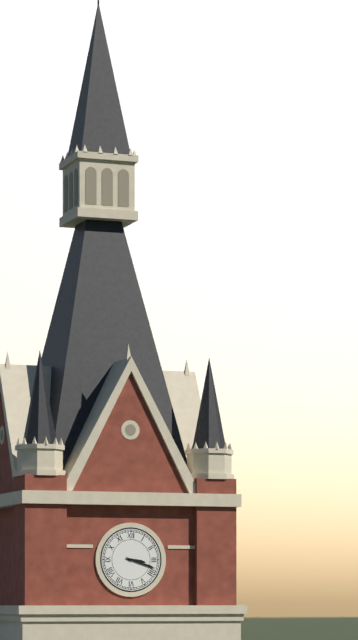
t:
3,18
